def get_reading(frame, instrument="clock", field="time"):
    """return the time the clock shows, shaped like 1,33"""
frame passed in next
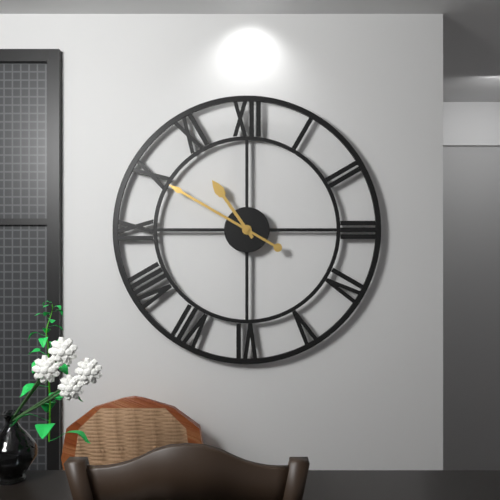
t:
10,50
